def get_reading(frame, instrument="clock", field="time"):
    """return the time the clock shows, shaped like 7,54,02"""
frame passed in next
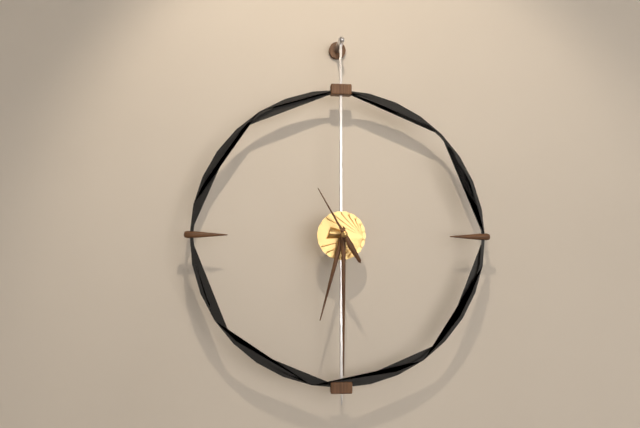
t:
6,30,55
